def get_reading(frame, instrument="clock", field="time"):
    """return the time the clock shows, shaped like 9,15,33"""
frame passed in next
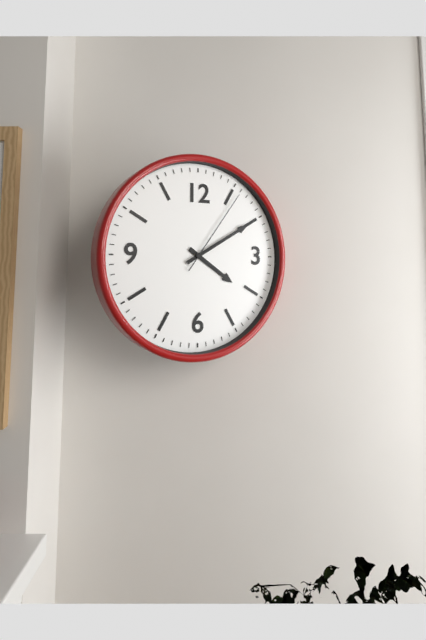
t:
4,10,06
